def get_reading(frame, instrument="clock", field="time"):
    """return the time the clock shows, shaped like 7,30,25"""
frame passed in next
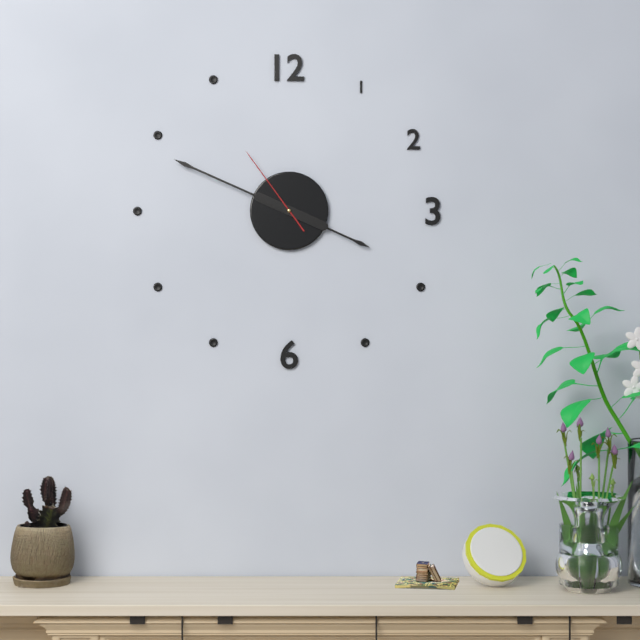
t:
3,49,54
